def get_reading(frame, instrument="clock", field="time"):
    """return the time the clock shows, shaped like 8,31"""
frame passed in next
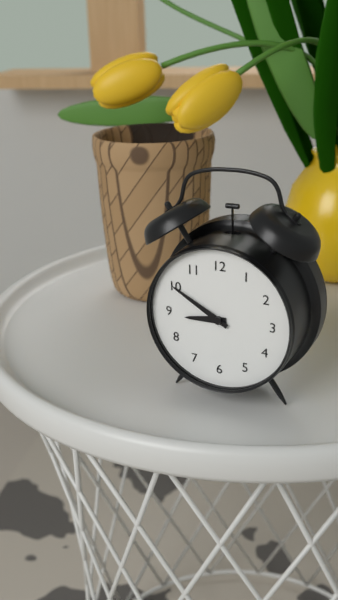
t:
8,50
